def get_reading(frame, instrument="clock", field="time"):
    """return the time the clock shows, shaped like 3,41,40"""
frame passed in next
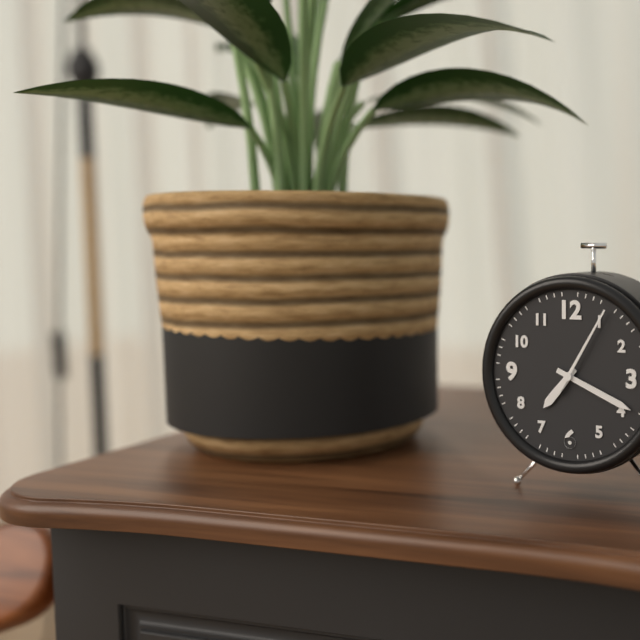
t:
7,19,05
